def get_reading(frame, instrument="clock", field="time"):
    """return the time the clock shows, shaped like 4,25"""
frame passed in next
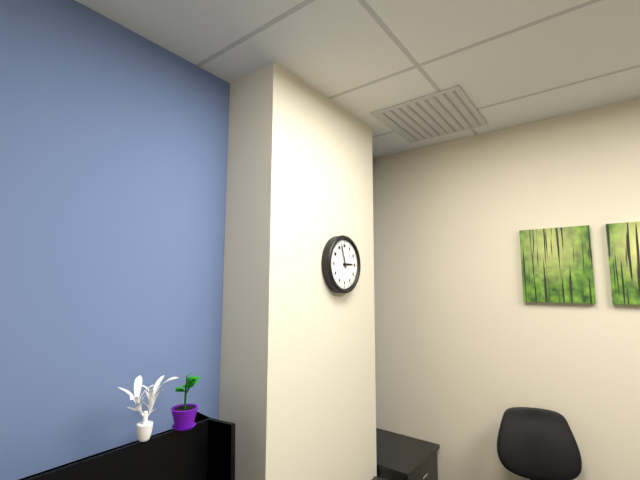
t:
2,57
